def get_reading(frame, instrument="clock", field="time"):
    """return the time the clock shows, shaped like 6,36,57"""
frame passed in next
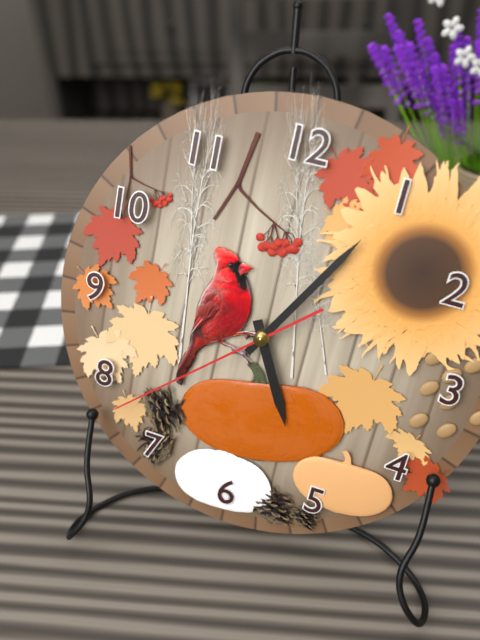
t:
5,05,38
